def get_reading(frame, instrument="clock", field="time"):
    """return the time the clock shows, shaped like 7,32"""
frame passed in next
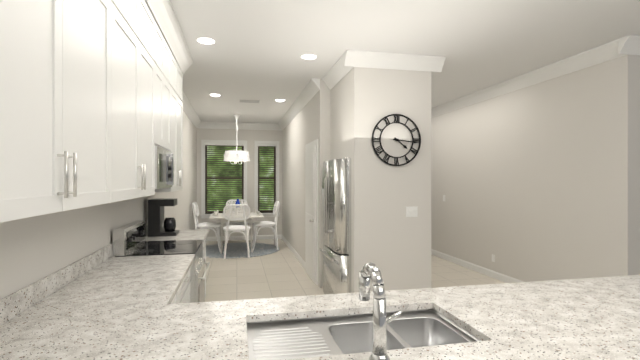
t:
4,16
